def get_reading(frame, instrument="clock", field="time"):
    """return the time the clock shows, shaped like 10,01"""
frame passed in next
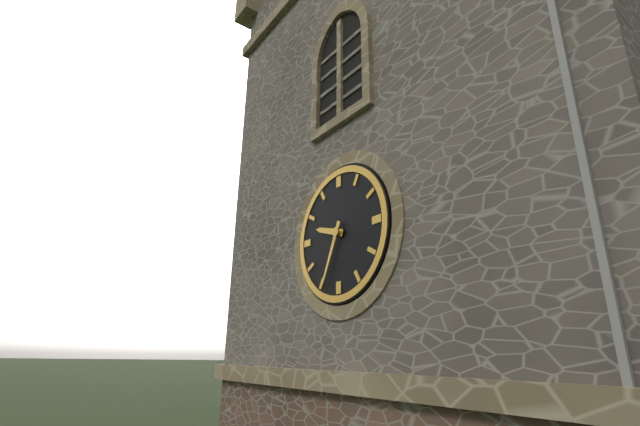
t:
9,34
